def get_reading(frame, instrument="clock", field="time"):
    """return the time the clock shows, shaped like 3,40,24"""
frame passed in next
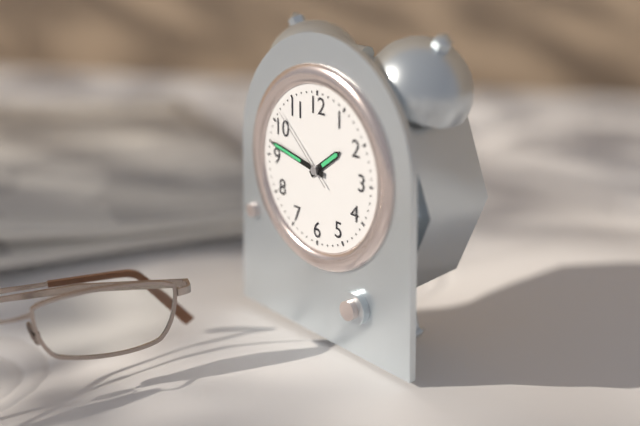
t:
1,47,52
